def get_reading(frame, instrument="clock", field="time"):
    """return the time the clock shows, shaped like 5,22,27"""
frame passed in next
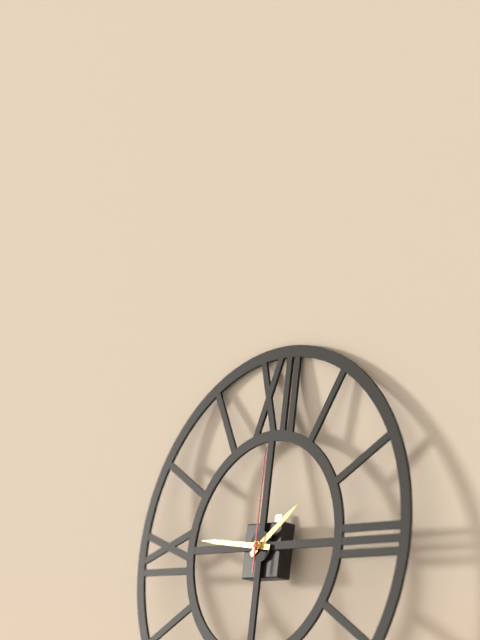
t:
1,46,00
